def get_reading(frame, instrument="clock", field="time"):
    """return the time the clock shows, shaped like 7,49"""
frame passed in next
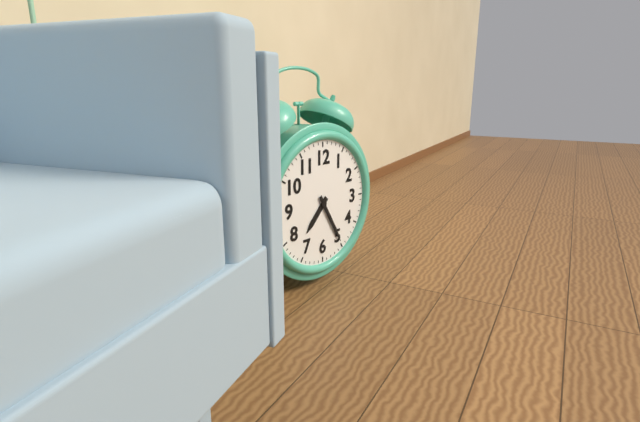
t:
7,25
